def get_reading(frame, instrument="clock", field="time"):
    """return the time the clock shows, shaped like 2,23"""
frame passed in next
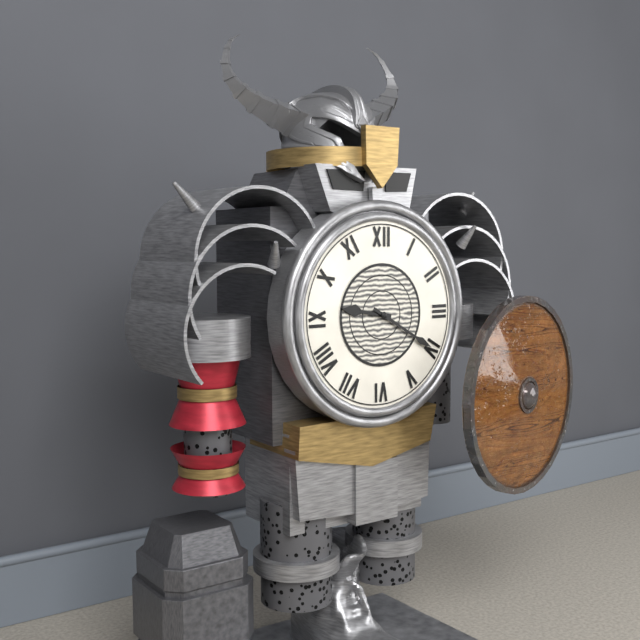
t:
9,20
